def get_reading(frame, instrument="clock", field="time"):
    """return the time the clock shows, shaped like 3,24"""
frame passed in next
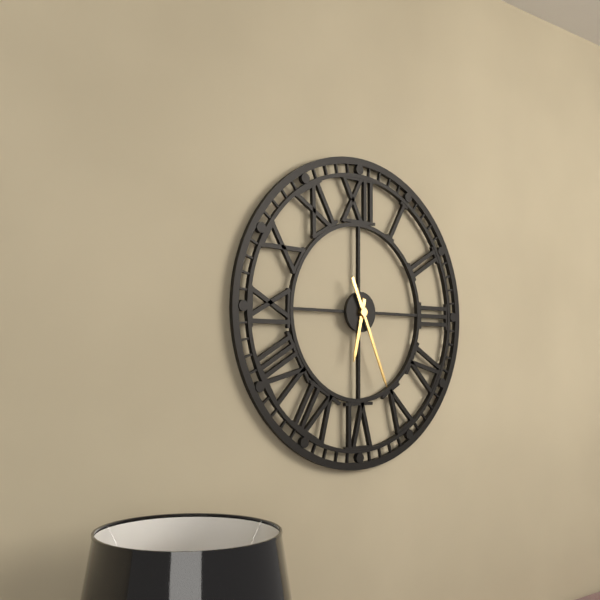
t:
6,26
